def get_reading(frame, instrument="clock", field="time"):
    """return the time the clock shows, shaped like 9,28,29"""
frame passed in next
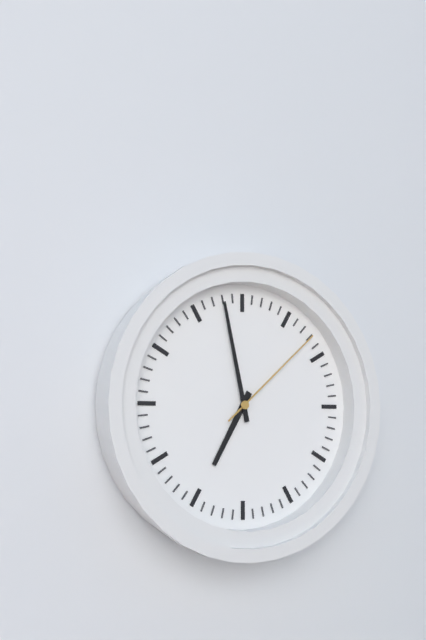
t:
6,58,08
